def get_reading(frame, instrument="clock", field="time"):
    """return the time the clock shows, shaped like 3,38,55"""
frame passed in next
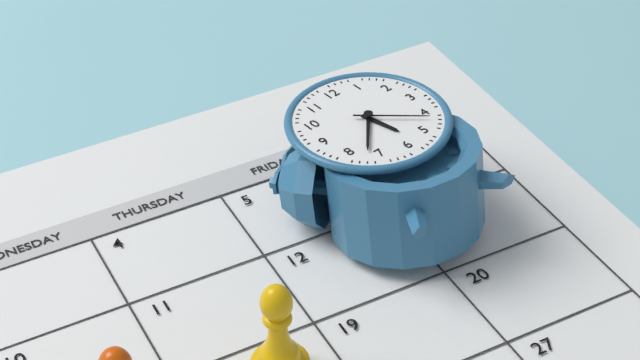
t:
5,37,22
